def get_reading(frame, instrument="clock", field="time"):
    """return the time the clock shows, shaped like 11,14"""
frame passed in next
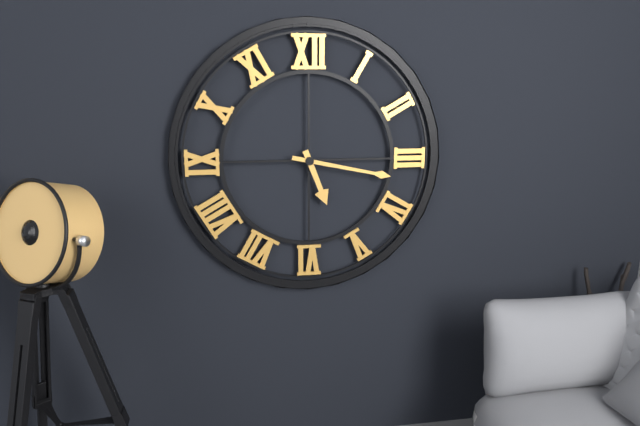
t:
5,17
